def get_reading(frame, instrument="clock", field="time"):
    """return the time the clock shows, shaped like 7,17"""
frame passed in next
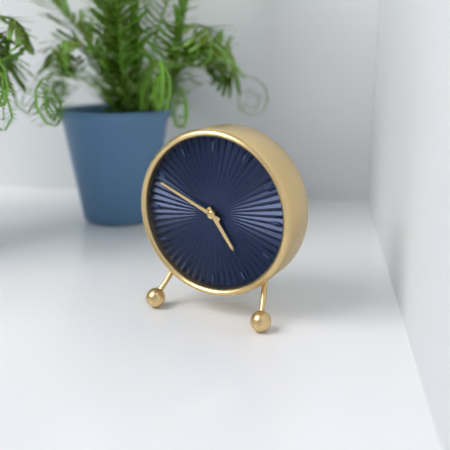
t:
4,49
